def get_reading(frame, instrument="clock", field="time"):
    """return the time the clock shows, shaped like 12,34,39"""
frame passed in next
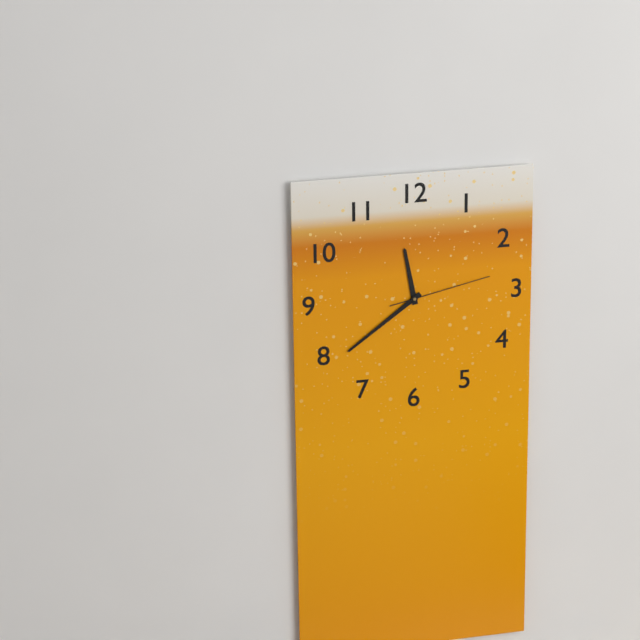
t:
11,39,13
